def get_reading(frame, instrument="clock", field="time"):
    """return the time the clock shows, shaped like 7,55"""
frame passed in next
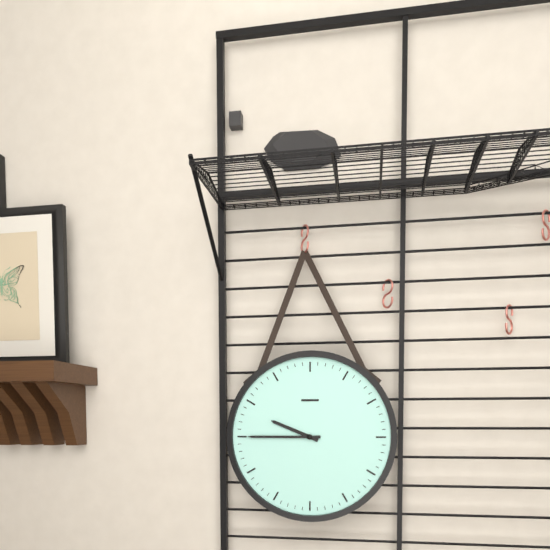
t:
9,45
